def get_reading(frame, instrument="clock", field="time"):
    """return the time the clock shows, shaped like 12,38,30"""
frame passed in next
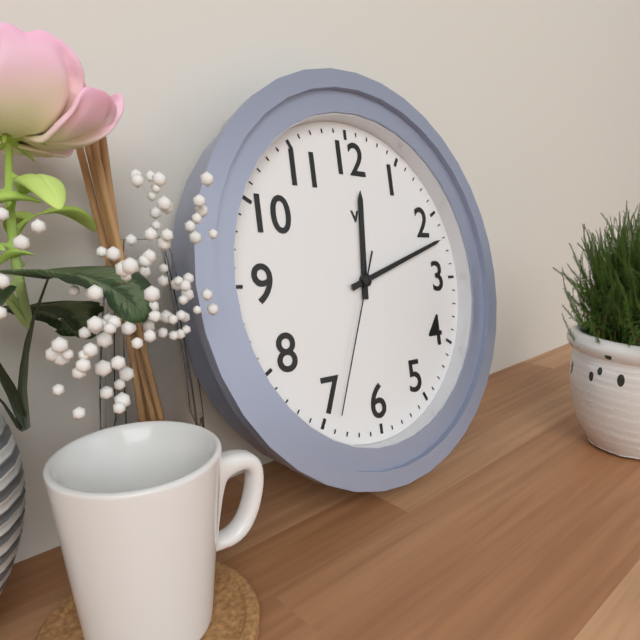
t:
12,12,34
